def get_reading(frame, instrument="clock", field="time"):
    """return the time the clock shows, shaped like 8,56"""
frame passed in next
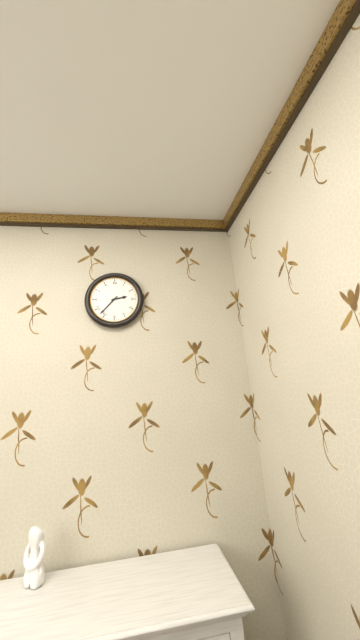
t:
2,37
